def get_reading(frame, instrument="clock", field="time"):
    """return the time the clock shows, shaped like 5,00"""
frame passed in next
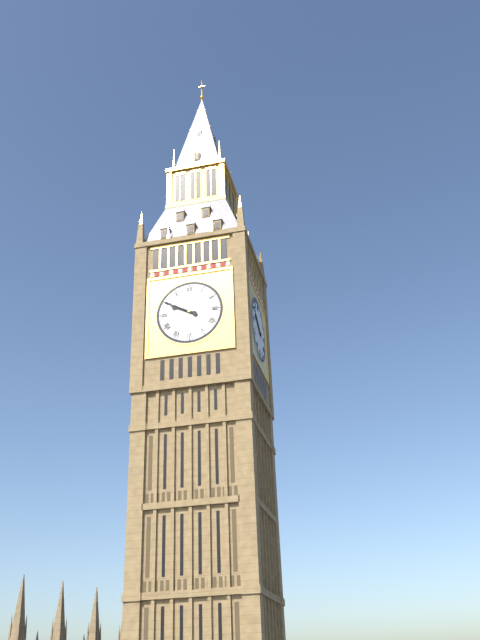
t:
9,50
